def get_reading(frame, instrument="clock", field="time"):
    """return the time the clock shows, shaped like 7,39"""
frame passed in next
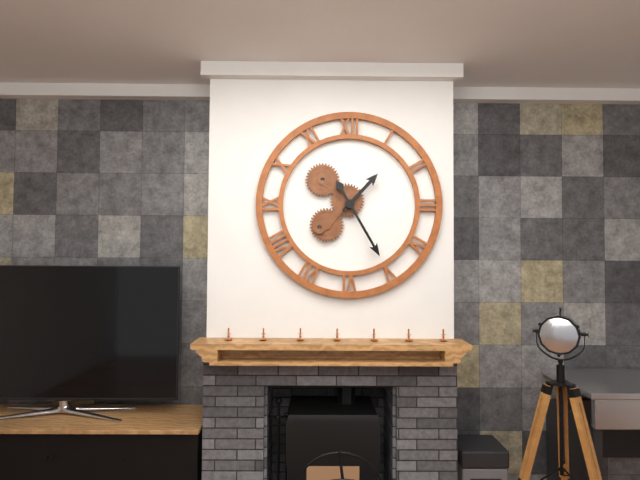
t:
1,25
